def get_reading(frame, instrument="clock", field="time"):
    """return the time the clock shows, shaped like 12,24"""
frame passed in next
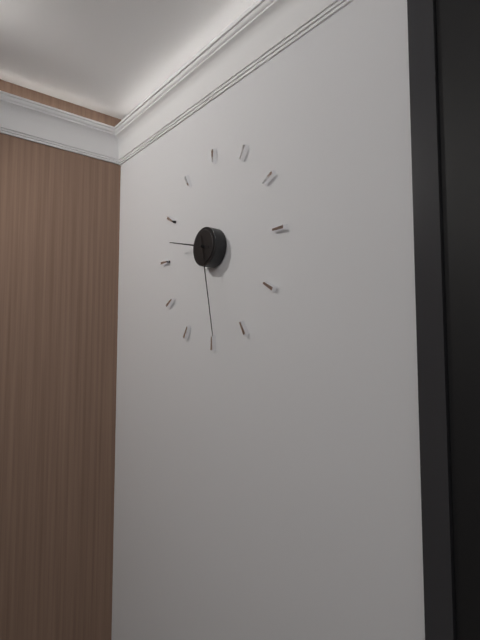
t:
9,28
